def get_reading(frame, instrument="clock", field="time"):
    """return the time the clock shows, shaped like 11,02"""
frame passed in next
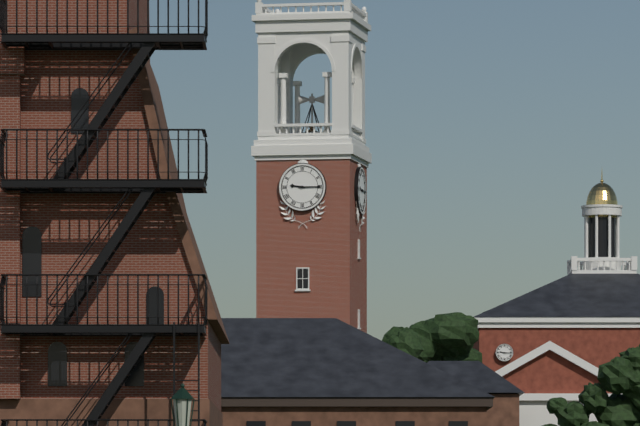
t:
9,15
